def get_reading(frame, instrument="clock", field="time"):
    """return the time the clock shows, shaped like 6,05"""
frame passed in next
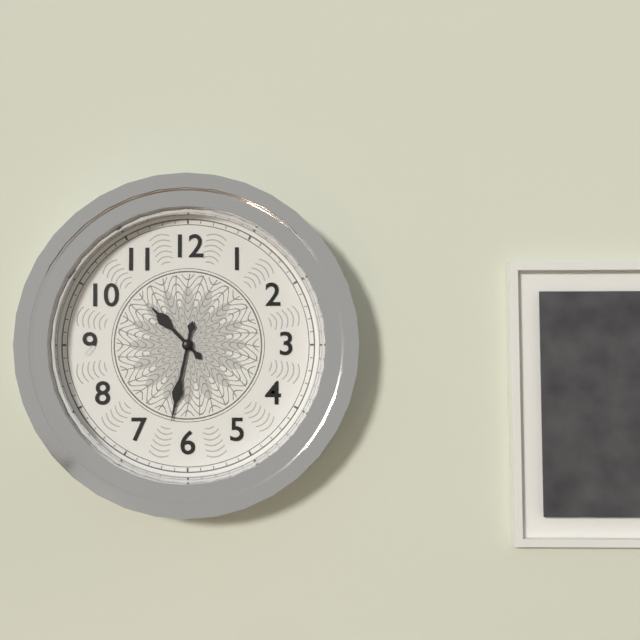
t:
10,32
